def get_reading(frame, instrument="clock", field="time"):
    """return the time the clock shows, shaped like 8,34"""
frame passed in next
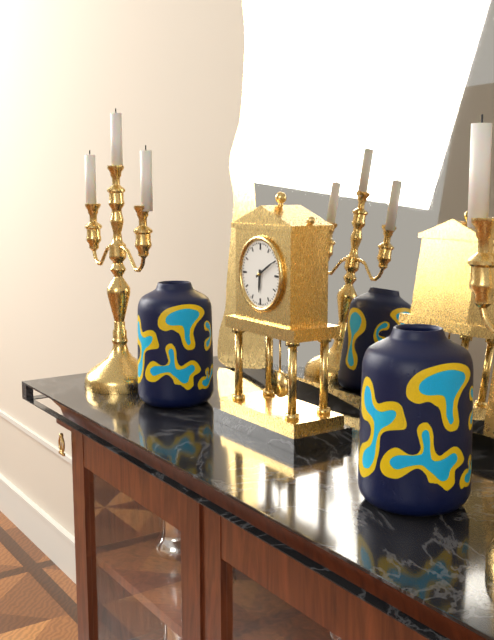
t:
6,10
